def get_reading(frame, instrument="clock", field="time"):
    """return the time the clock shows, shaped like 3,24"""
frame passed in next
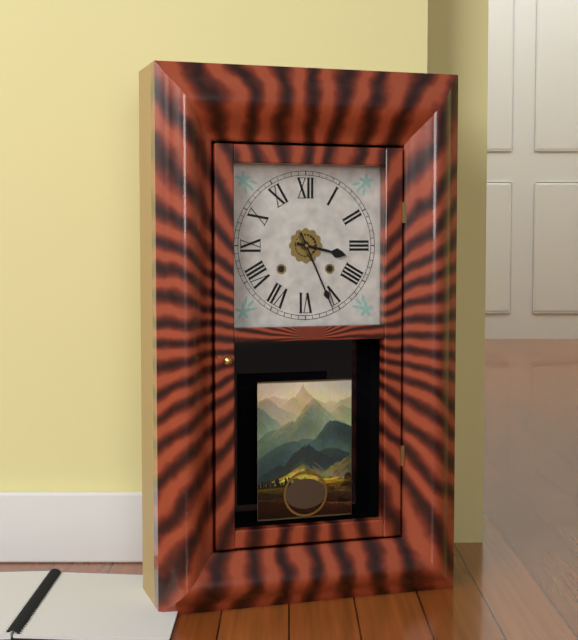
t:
3,26
